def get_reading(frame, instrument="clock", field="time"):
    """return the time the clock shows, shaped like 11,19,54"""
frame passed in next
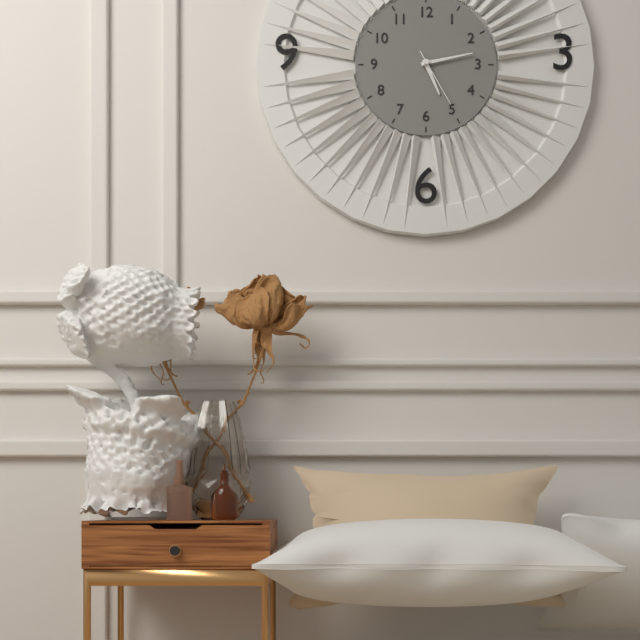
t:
5,13,25
